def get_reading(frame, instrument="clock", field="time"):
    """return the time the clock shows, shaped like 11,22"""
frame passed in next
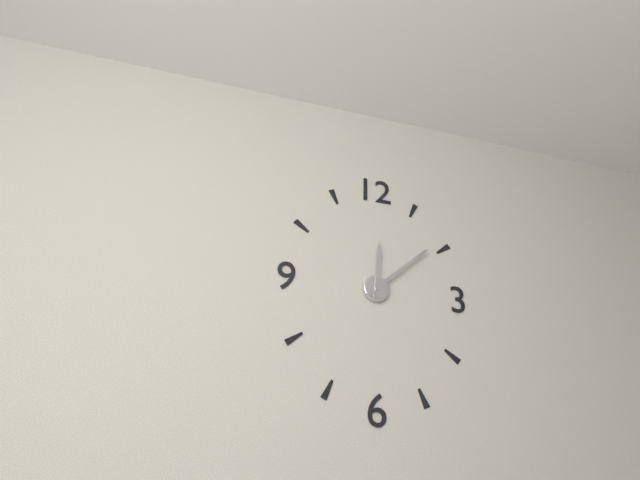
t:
12,08
